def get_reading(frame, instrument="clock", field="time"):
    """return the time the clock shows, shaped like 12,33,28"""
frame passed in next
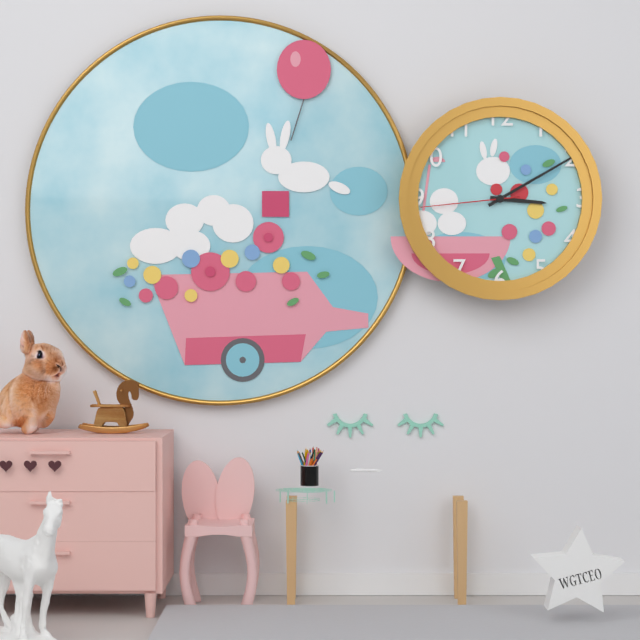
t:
3,10,44
